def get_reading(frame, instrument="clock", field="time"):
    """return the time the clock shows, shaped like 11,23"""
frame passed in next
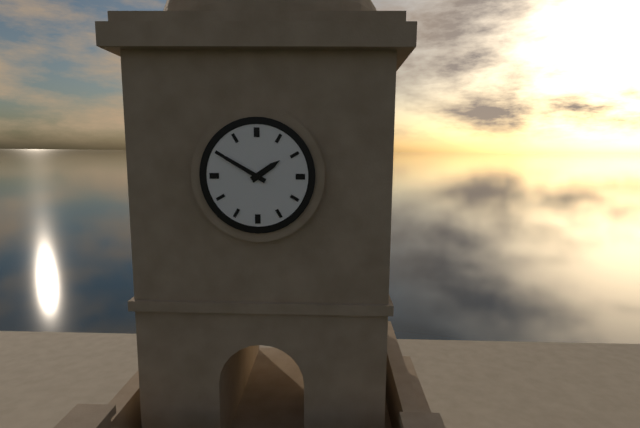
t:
1,50
